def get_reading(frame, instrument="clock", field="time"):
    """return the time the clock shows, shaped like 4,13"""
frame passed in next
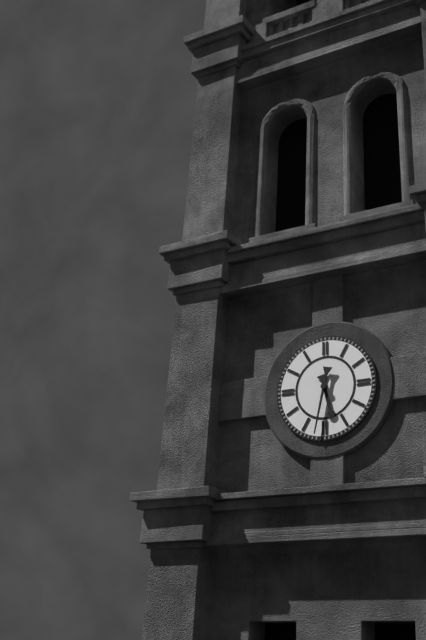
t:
5,32
